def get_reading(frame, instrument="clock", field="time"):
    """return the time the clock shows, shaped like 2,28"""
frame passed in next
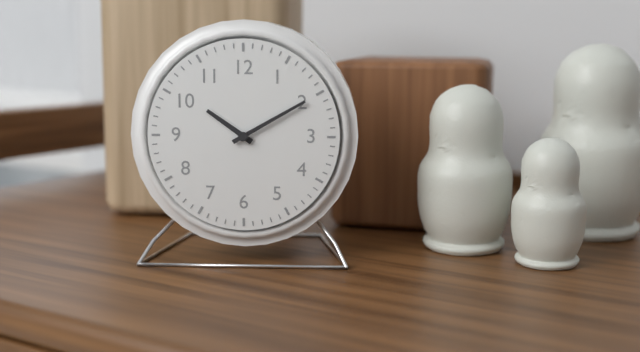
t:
10,10
